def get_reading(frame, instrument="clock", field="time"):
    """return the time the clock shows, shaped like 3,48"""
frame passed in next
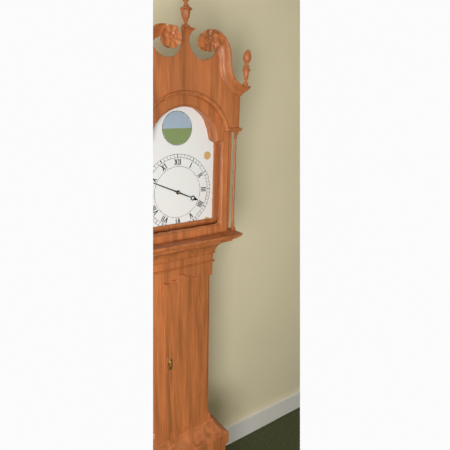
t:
3,49
